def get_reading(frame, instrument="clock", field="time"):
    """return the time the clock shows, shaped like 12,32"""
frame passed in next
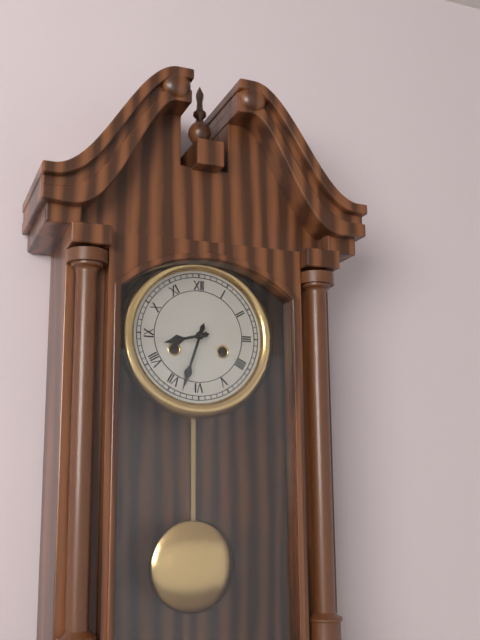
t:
8,33
